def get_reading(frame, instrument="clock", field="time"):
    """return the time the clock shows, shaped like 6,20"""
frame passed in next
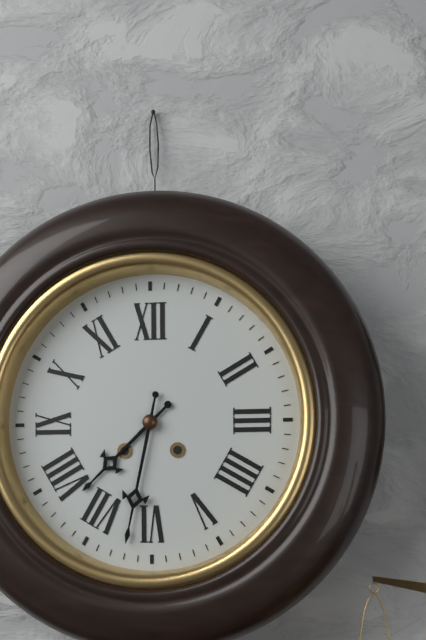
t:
7,32
